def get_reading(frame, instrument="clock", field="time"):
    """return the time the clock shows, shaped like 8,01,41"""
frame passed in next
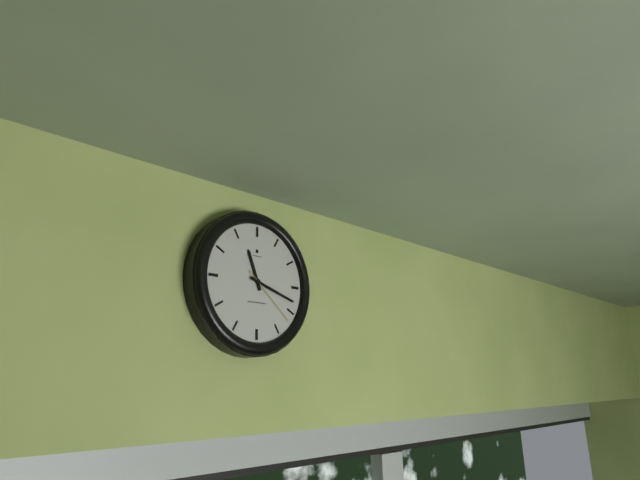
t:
11,18,22
